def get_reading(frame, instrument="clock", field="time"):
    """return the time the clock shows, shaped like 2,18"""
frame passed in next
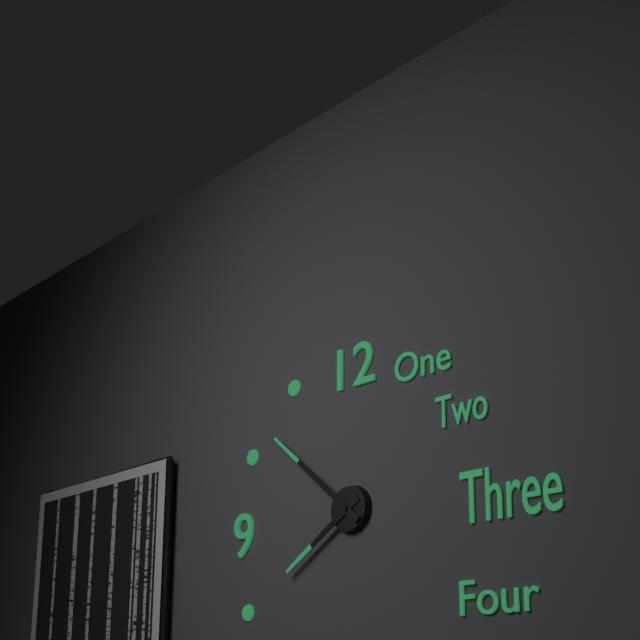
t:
7,52
